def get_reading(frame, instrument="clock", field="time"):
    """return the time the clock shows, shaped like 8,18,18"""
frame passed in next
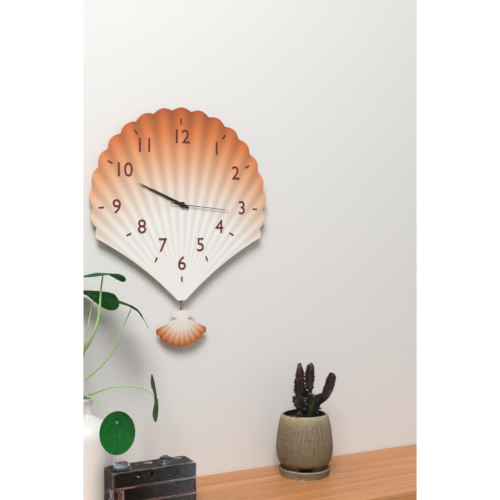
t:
9,49,16
